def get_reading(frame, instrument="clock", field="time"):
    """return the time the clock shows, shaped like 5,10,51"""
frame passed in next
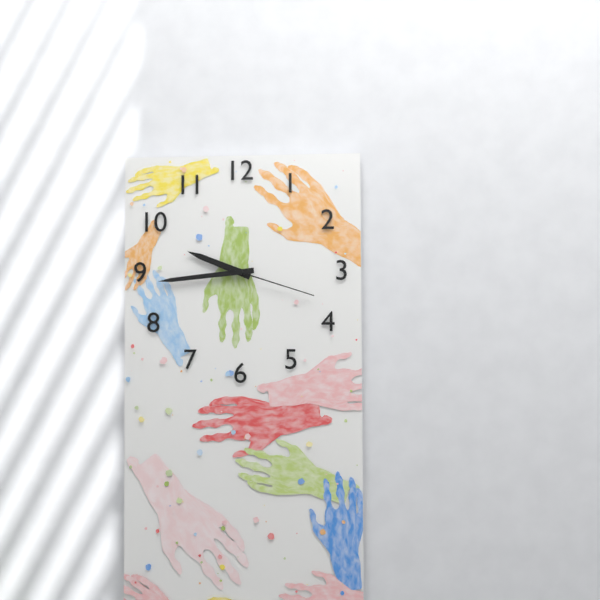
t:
9,44,18
